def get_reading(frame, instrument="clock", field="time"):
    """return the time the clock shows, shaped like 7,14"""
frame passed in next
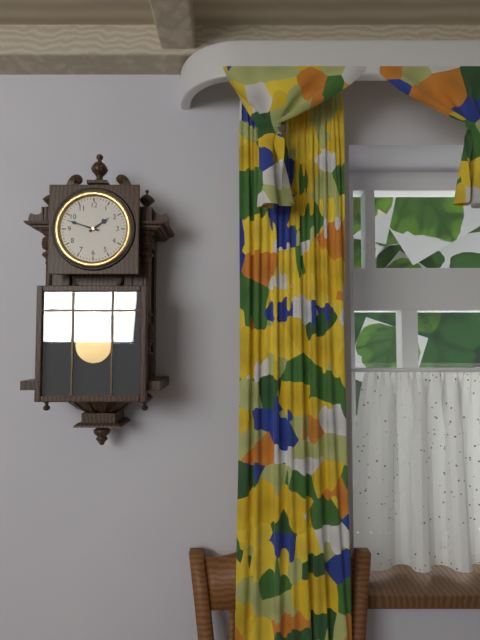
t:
1,48
